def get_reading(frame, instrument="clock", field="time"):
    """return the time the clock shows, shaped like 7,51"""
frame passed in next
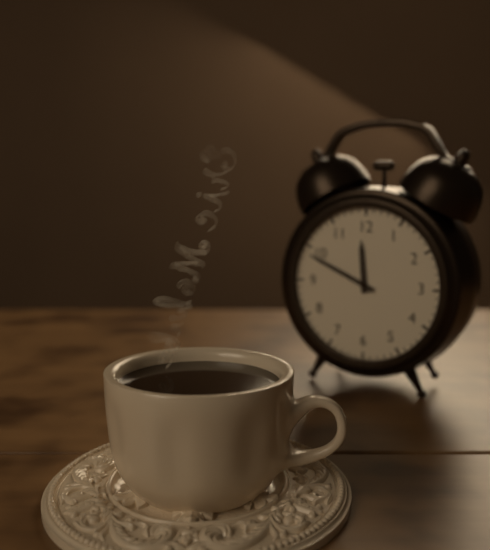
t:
11,49
